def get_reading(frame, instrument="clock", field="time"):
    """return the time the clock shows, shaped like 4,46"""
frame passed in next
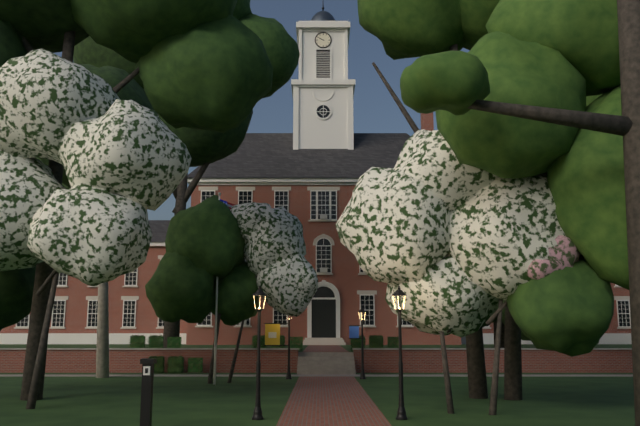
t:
9,50
